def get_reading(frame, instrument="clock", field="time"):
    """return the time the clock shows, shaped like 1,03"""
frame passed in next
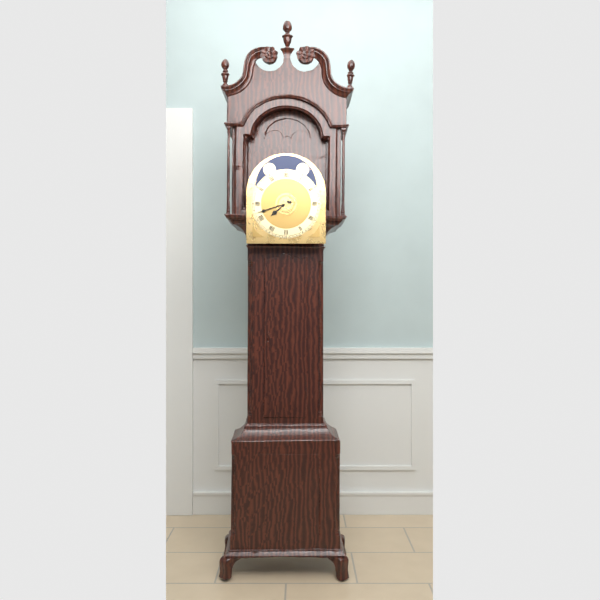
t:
7,42
